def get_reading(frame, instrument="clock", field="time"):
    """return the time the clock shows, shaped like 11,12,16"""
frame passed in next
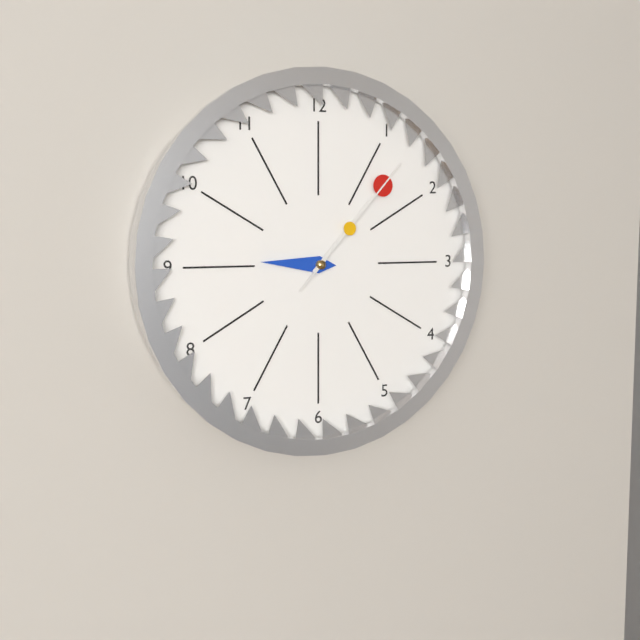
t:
9,07,07
